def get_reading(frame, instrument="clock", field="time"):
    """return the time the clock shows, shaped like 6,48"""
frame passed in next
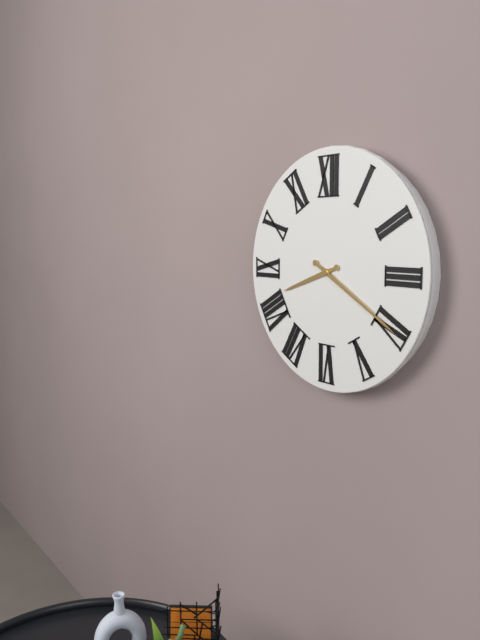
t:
8,20
